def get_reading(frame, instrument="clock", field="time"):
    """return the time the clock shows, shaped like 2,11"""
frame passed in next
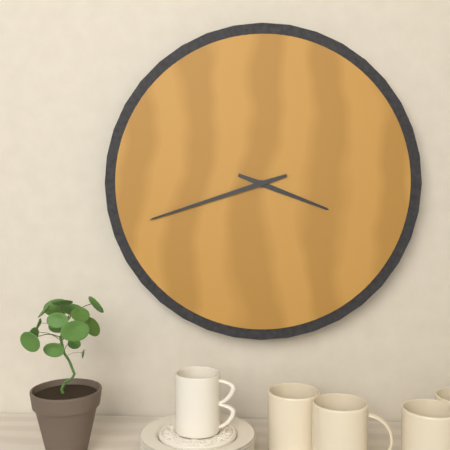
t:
3,42
